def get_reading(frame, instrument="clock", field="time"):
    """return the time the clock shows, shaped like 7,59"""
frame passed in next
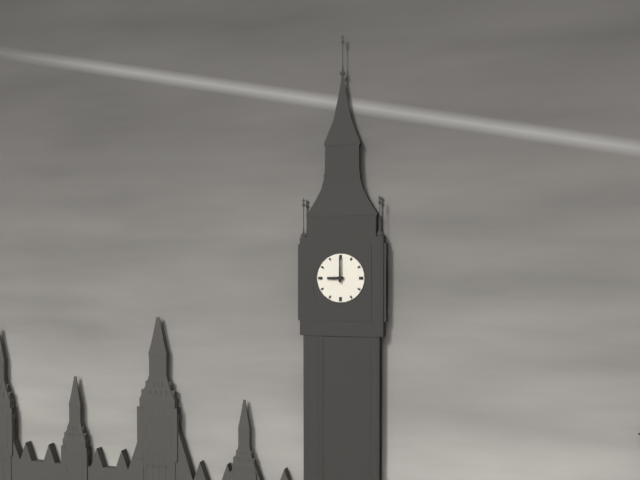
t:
9,00
